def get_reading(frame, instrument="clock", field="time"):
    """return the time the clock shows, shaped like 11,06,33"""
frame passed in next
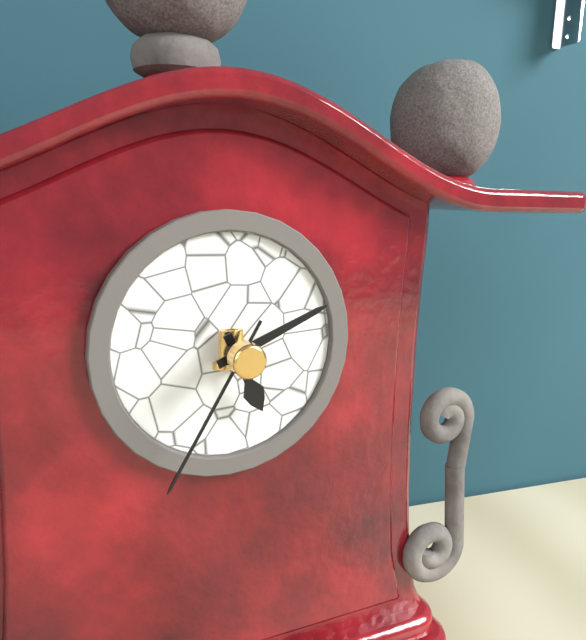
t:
5,11,35
